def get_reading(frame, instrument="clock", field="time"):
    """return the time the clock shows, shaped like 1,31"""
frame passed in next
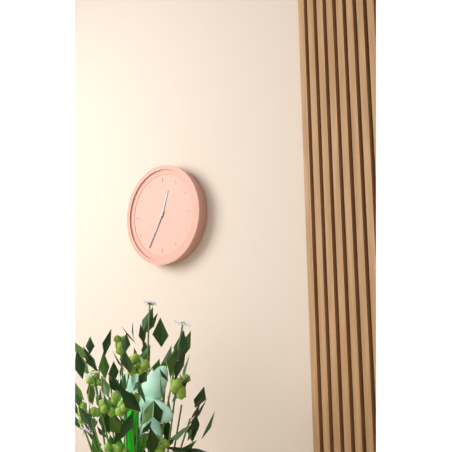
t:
12,35
